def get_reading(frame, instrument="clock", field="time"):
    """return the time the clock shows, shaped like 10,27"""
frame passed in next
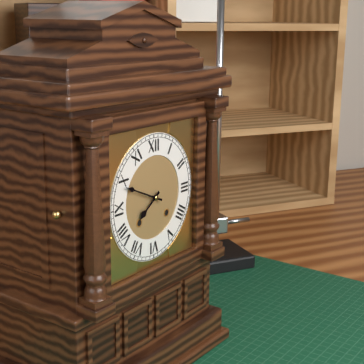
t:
7,49
